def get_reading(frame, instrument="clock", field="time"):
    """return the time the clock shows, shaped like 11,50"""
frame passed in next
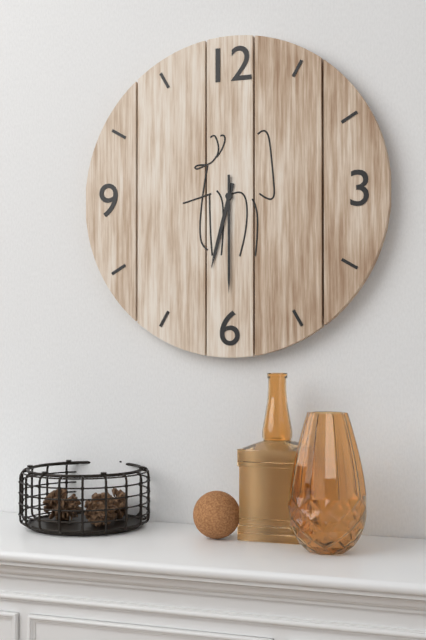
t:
6,30
